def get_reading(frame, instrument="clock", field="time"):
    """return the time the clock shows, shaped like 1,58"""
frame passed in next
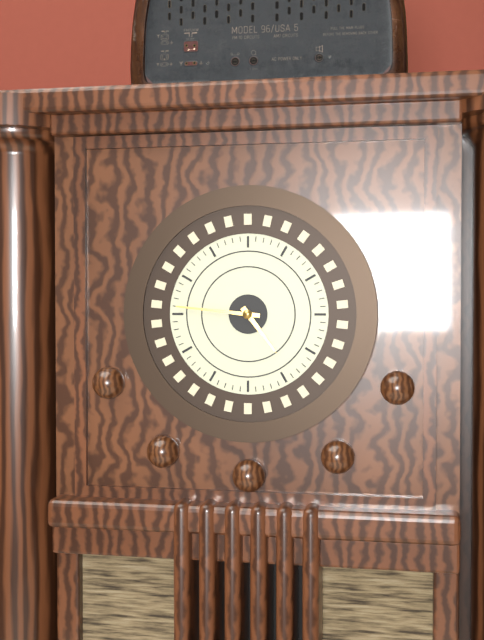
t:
4,46
